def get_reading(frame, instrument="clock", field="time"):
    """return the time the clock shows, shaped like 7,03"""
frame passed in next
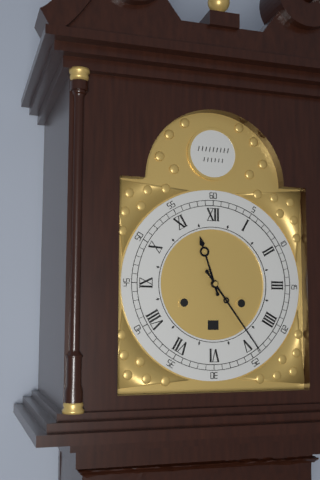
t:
11,24
